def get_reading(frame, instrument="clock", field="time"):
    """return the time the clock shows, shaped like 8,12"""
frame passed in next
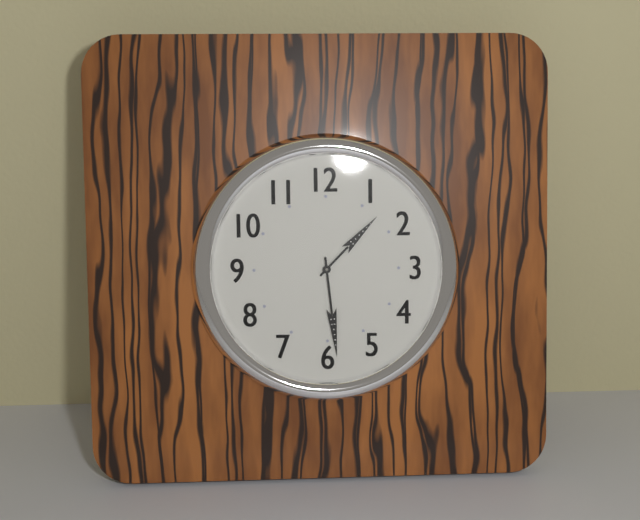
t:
1,29
